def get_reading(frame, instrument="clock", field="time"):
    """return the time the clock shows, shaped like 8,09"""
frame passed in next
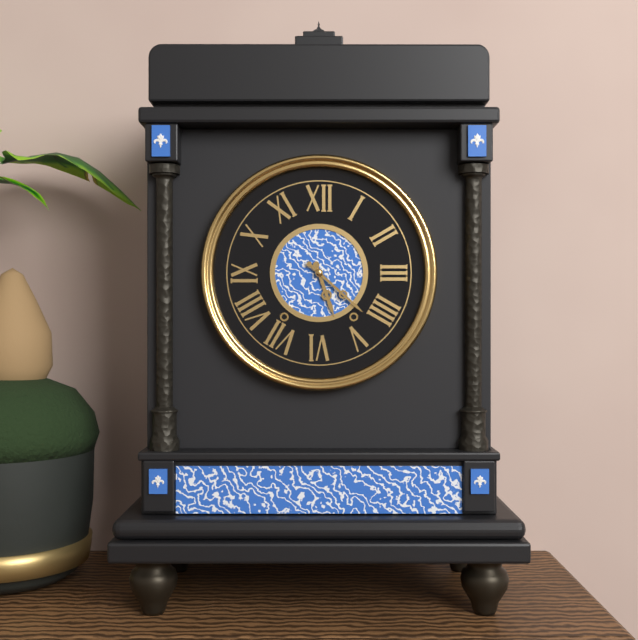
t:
5,22
